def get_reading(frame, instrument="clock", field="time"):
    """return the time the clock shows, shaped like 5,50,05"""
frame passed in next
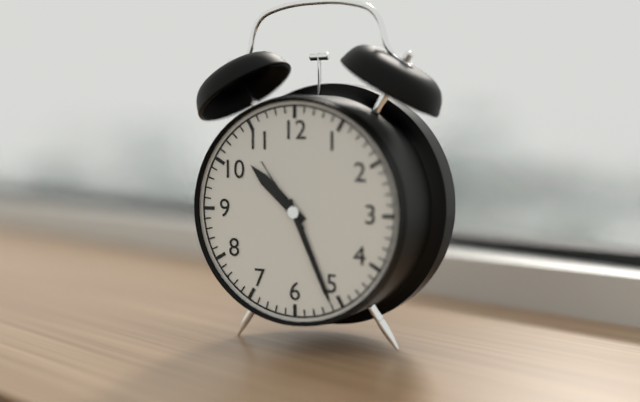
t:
10,26,54
